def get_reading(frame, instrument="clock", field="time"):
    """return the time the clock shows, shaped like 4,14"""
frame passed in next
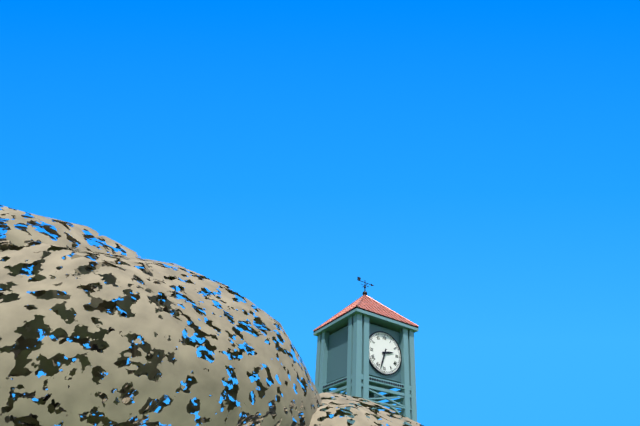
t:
2,33
